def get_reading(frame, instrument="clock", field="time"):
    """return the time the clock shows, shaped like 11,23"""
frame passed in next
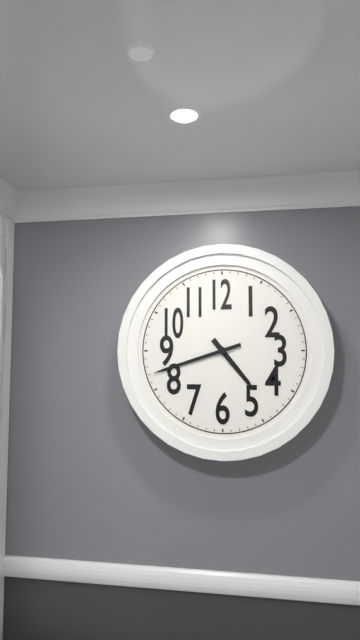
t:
4,42
